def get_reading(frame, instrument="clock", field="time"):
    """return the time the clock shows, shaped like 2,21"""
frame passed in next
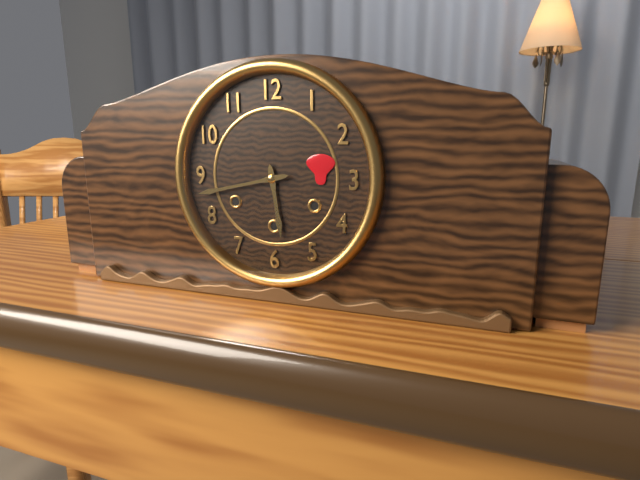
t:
5,43
